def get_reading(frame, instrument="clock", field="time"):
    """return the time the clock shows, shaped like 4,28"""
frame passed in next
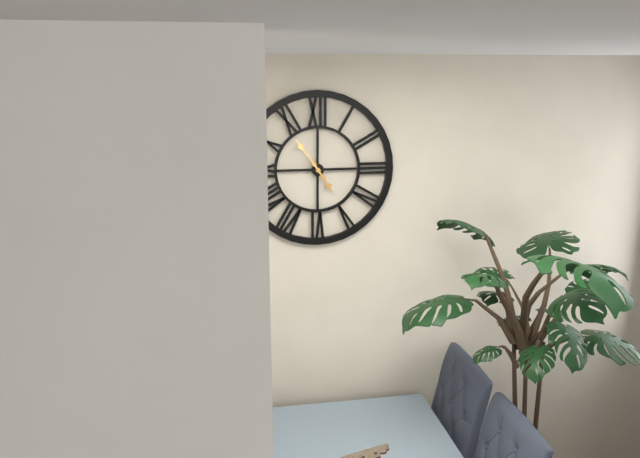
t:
4,54
